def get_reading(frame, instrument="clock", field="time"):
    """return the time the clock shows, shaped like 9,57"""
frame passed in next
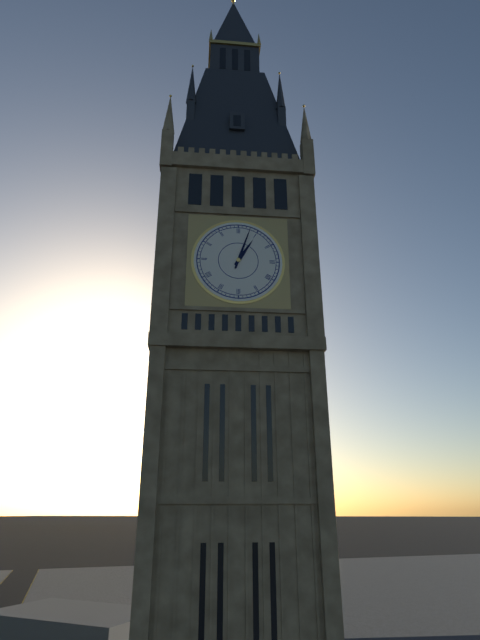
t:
1,03
